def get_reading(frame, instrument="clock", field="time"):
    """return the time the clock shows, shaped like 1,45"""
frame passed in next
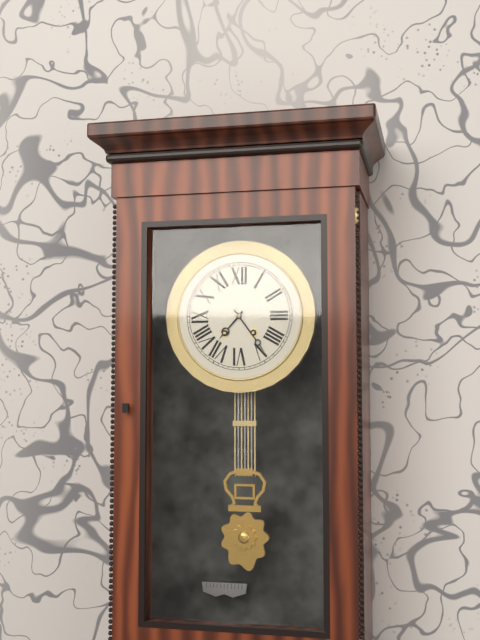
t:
7,24
